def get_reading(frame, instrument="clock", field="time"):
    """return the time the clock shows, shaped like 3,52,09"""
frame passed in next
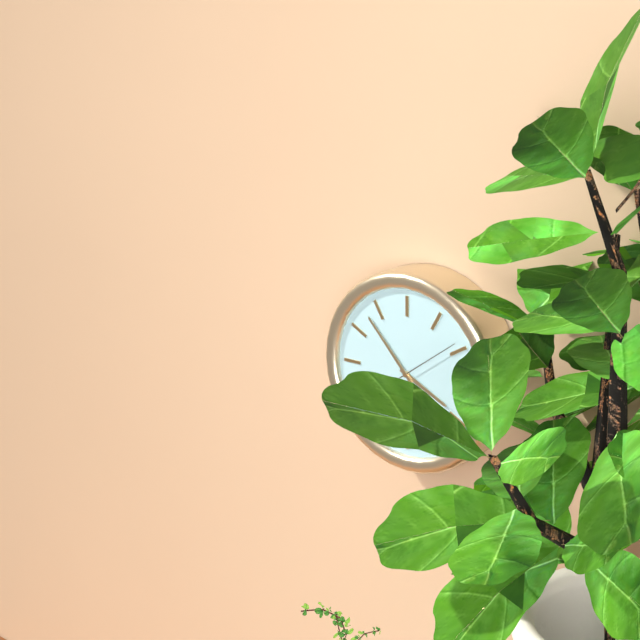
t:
3,53,09
